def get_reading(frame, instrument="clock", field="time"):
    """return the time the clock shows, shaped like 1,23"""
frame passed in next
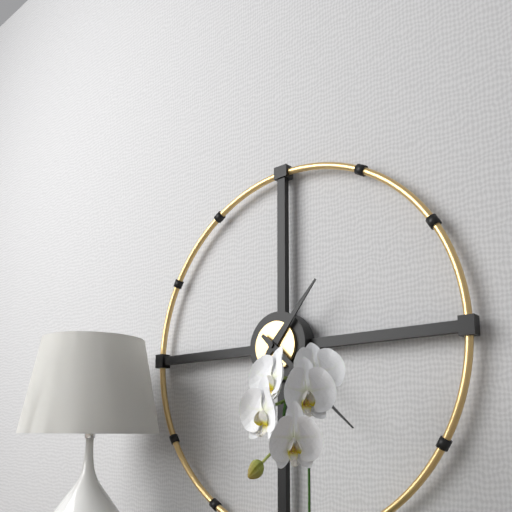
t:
1,22
